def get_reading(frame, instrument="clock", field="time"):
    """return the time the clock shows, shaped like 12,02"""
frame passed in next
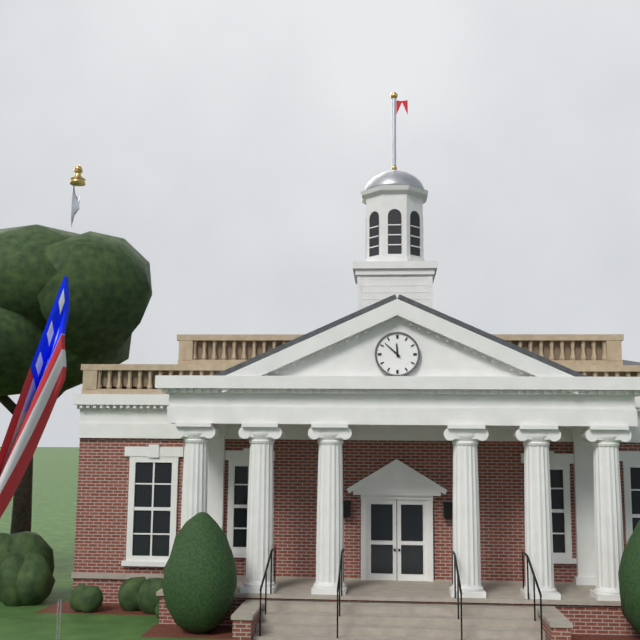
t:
11,52
